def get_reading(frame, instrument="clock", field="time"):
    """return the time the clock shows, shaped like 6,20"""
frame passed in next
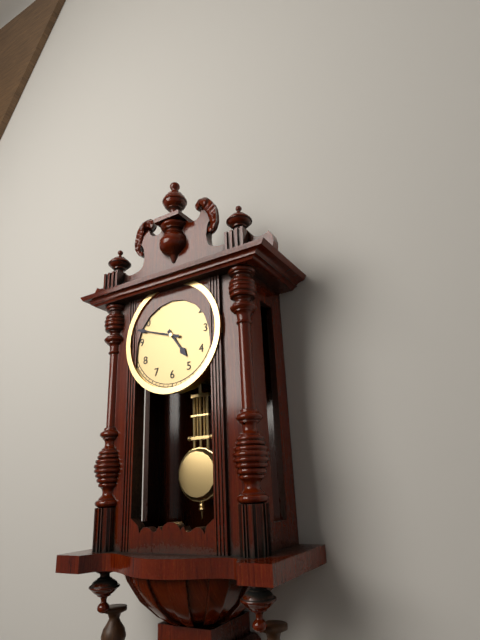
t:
4,48
